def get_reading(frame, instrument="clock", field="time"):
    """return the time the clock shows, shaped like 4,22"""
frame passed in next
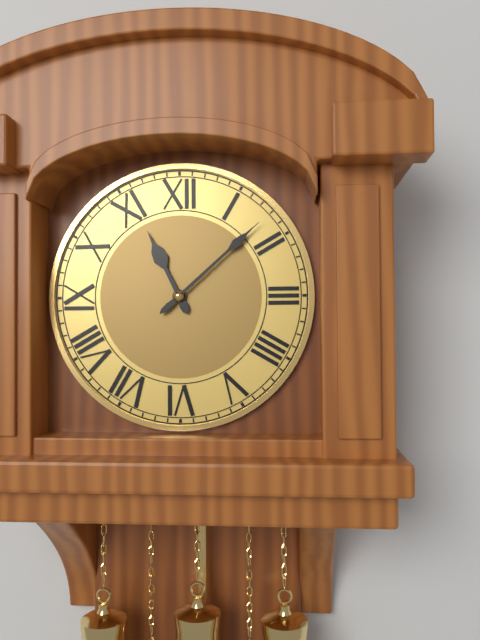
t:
11,08
